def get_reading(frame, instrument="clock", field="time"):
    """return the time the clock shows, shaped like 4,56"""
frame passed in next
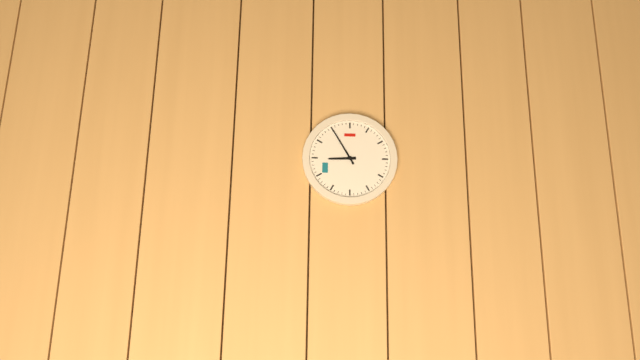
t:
8,55
